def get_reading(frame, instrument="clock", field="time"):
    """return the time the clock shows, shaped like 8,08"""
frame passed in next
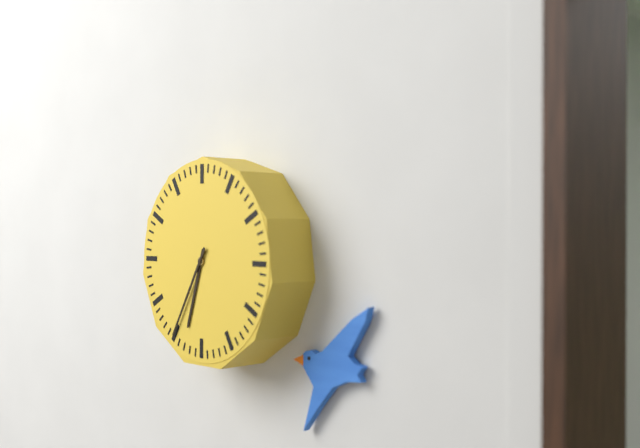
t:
6,35
